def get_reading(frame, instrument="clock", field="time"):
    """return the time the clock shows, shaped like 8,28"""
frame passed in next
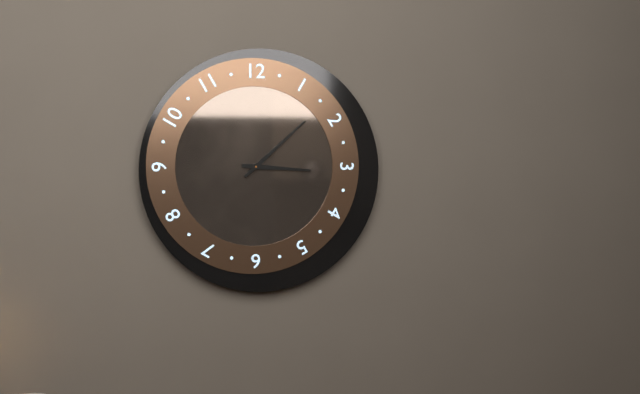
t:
3,08
